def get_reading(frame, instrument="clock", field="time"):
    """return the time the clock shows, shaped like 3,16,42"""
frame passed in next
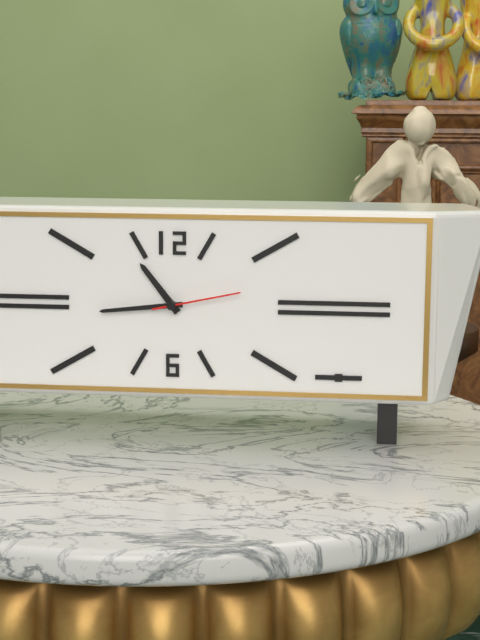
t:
10,44,13
